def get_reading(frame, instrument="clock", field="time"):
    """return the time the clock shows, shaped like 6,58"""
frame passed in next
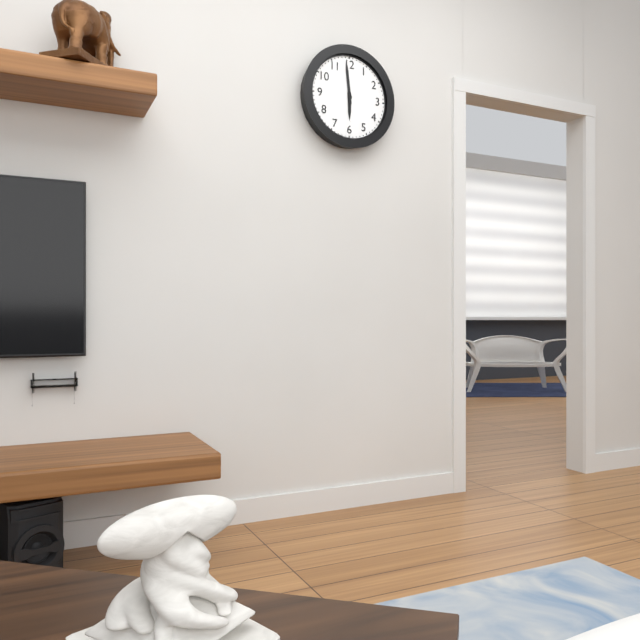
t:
5,59
